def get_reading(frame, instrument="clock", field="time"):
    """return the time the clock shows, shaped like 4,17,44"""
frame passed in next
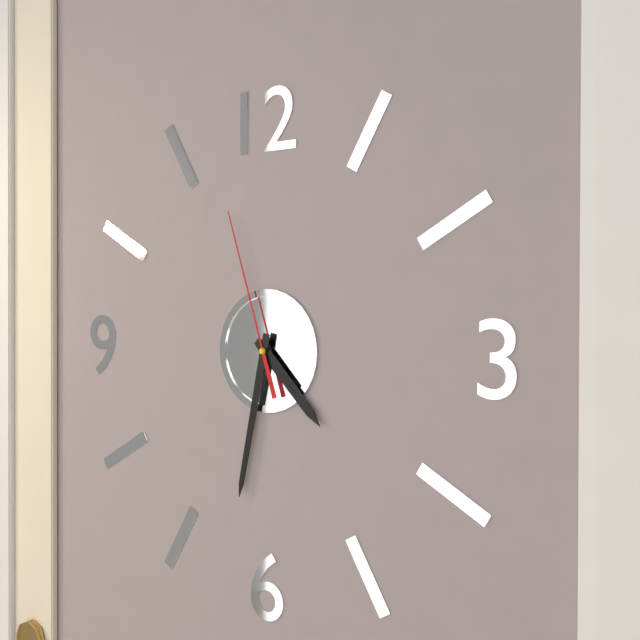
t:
4,32,57
